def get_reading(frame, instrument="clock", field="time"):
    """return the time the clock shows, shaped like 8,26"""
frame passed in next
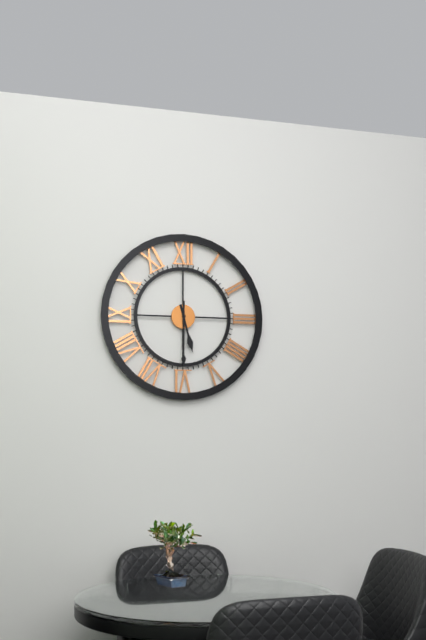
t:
5,30
